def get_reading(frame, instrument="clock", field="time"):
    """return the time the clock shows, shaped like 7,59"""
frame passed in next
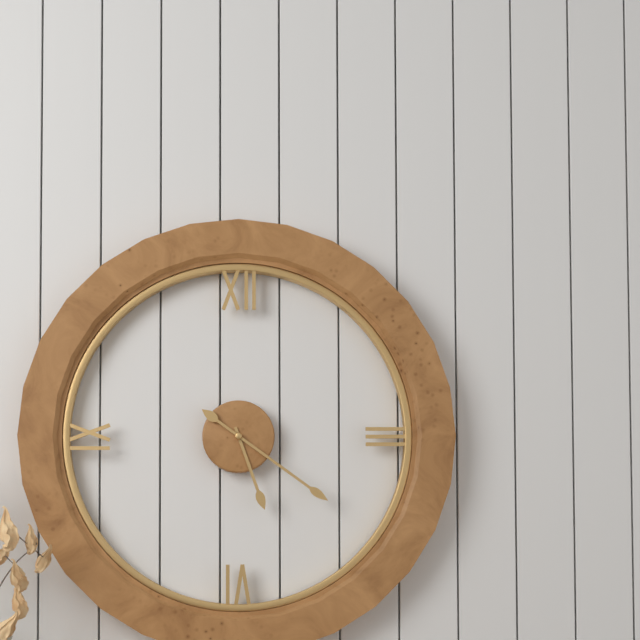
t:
5,21
